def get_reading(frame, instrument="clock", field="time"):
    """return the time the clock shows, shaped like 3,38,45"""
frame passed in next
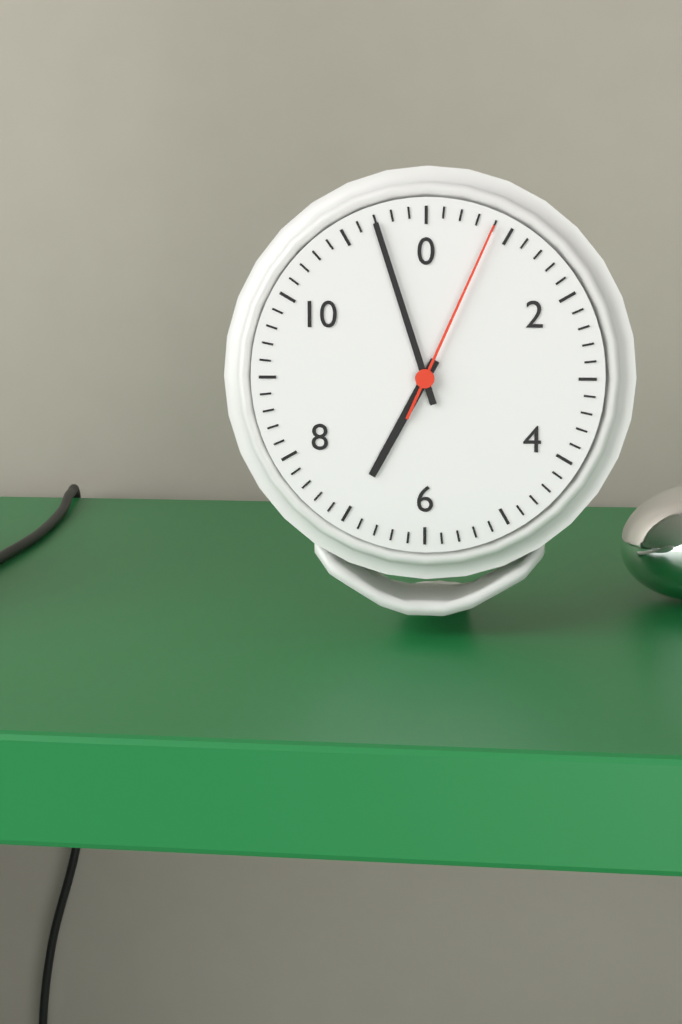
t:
6,57,04
